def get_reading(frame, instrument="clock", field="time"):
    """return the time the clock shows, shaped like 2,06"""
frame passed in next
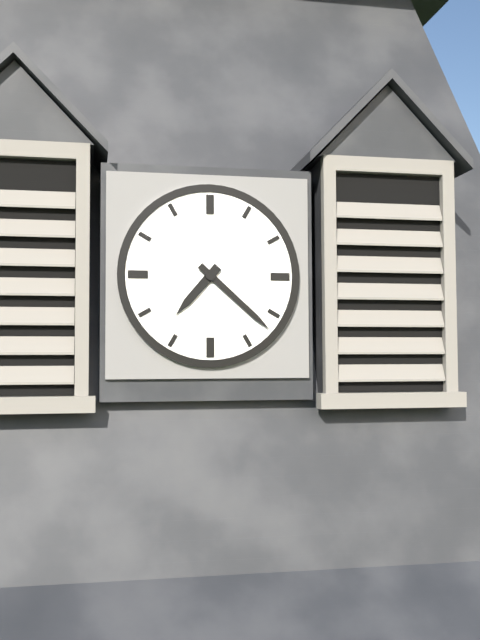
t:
7,22
